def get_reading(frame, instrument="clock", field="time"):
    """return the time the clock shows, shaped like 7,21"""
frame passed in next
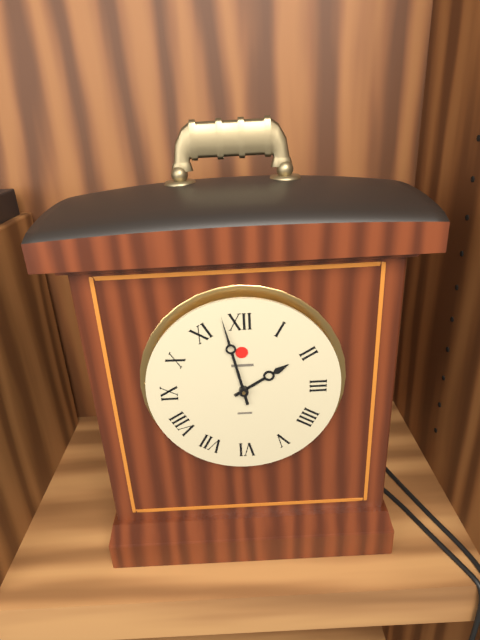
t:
1,58
